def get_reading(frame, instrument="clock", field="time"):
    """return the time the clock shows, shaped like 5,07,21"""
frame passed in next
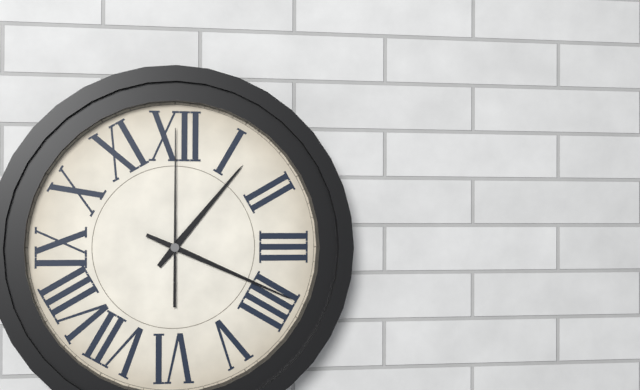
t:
1,19,00
